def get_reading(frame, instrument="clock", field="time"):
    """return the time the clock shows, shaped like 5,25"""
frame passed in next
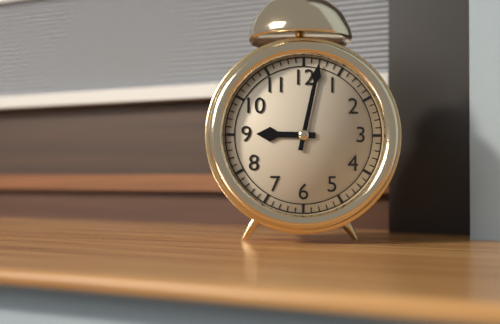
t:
9,02
